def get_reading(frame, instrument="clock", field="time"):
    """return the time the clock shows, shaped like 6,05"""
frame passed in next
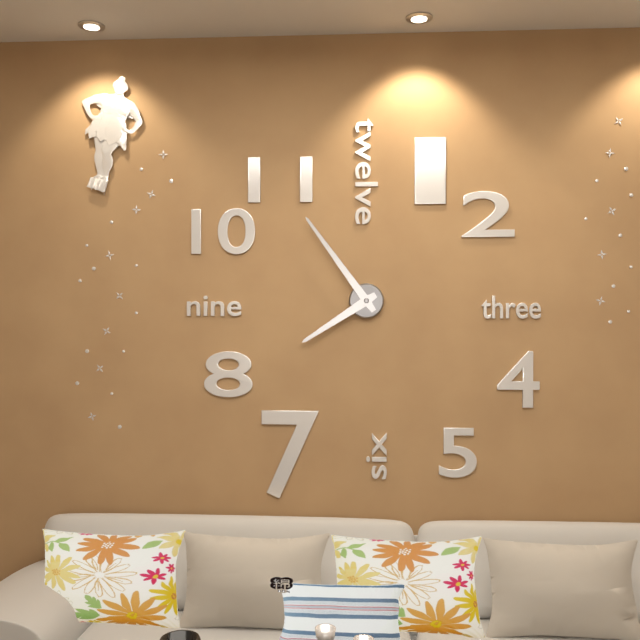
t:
7,54
